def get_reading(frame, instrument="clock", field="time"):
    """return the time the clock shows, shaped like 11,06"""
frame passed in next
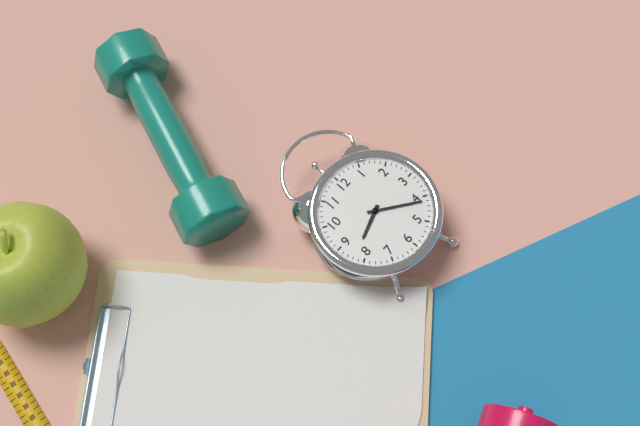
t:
8,21
